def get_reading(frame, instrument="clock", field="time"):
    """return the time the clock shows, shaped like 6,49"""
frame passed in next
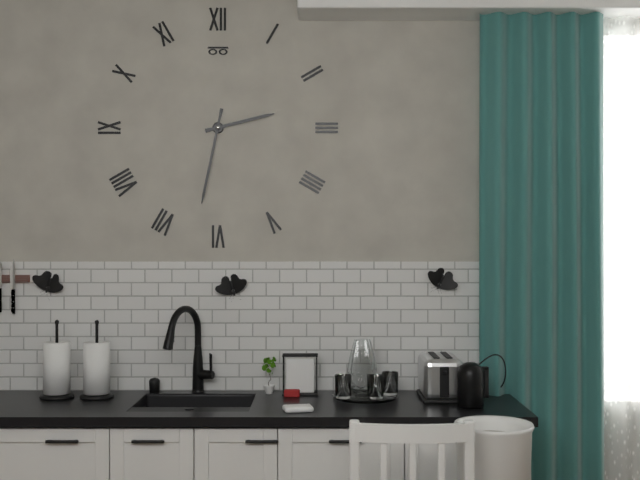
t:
2,32
